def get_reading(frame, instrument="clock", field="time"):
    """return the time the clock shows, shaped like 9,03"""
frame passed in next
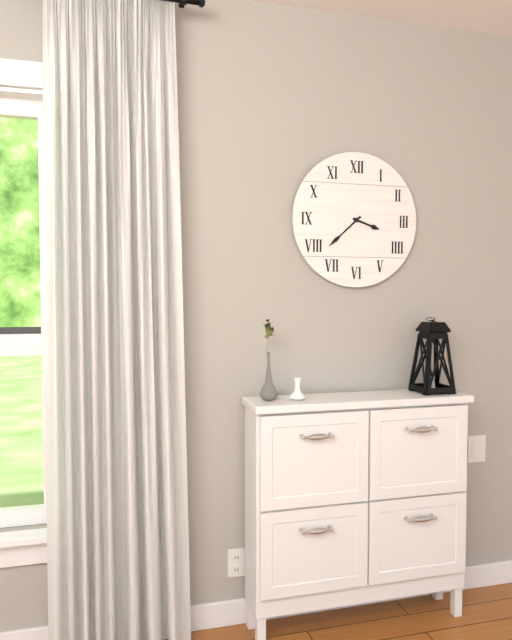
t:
3,38
